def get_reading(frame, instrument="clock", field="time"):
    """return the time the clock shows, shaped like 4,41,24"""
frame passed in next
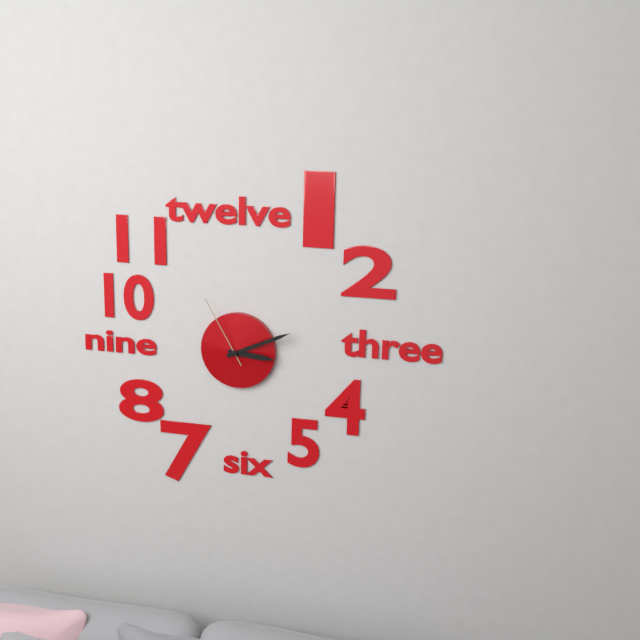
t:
3,11,55
